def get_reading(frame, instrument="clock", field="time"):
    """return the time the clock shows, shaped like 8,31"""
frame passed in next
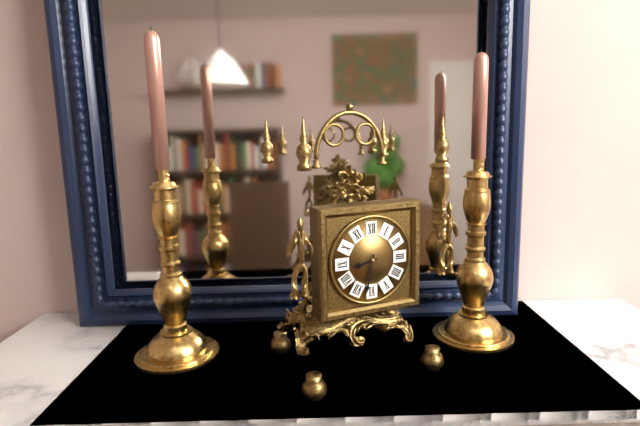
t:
8,32
